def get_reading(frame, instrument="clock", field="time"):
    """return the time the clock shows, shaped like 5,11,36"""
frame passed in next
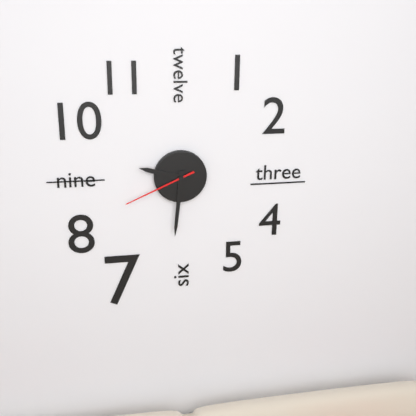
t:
9,31,41
